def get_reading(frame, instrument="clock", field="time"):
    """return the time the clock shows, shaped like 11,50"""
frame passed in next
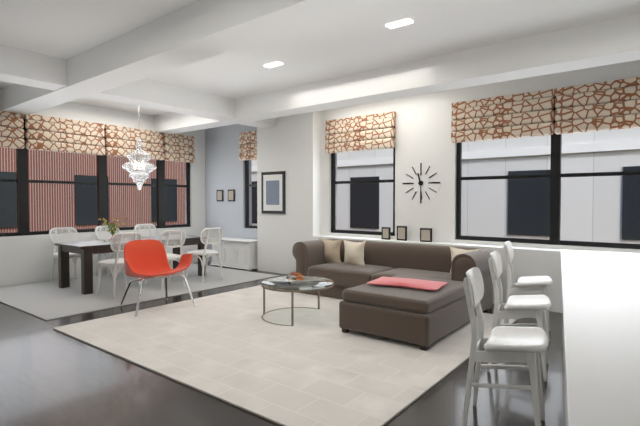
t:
11,29
